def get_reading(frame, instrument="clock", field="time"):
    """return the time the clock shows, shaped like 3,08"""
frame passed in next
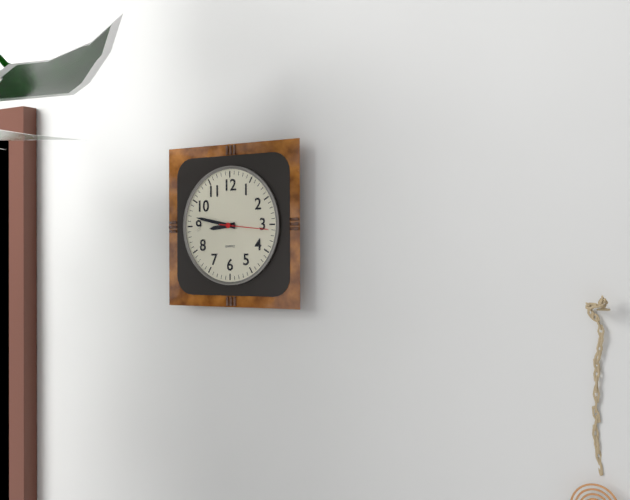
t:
8,47
